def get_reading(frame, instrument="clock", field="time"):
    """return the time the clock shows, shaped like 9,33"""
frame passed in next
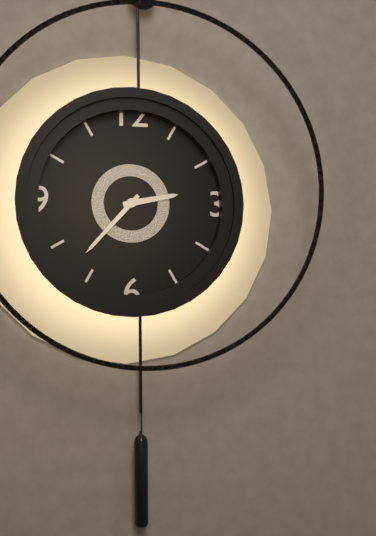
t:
2,37
